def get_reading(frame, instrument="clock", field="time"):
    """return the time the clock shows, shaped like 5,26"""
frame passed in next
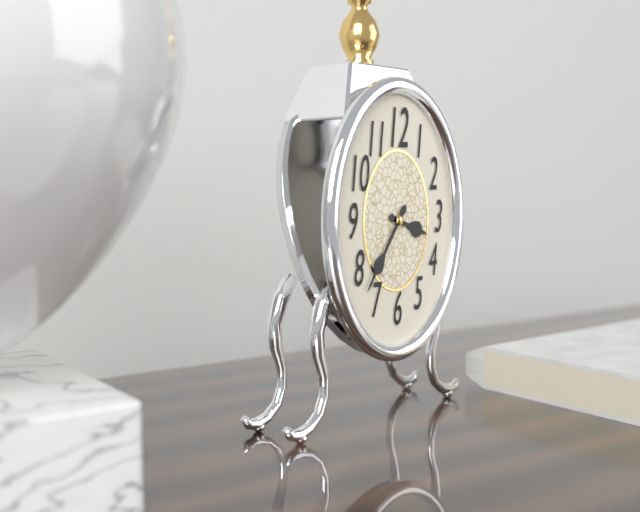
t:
3,36
